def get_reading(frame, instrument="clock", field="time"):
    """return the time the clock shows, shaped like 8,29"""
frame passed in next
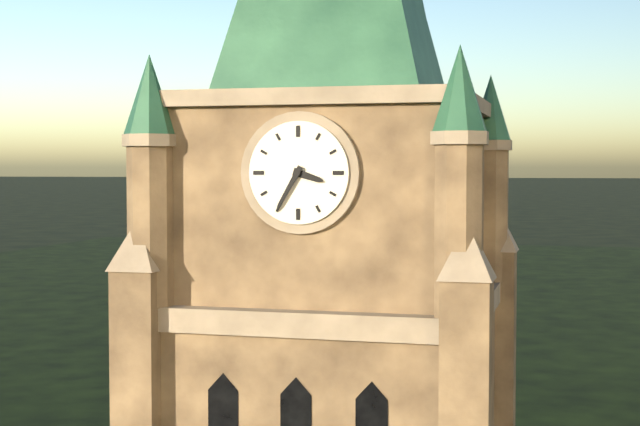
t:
3,35
